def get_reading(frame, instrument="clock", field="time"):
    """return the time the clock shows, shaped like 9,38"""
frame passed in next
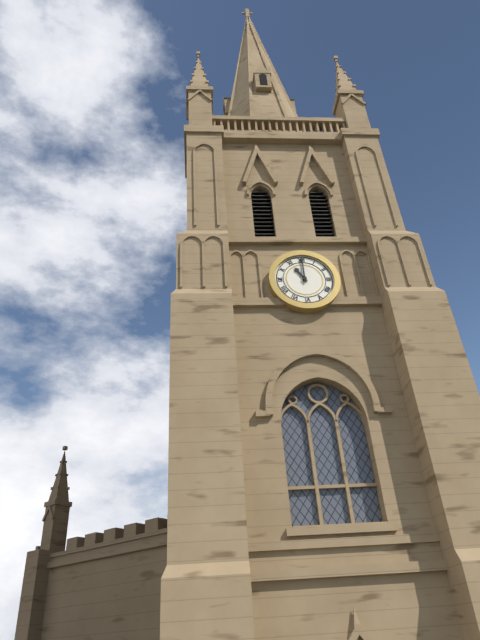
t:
11,00
